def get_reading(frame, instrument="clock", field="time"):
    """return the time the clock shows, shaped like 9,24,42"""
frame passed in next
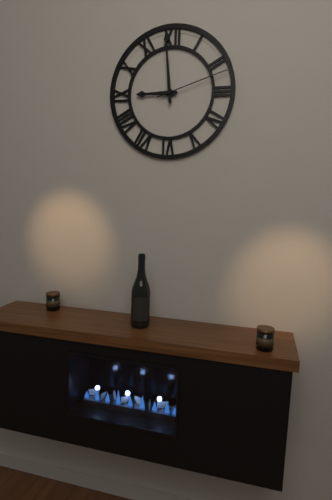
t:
8,59,12
